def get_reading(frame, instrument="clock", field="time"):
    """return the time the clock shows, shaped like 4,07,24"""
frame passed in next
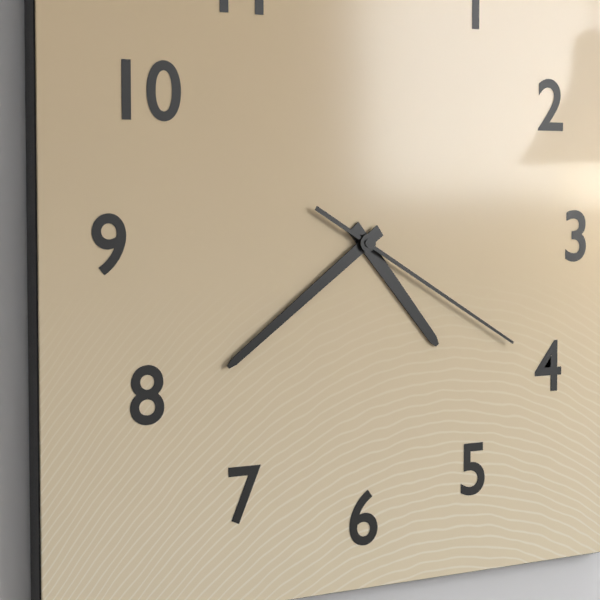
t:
4,39,20
